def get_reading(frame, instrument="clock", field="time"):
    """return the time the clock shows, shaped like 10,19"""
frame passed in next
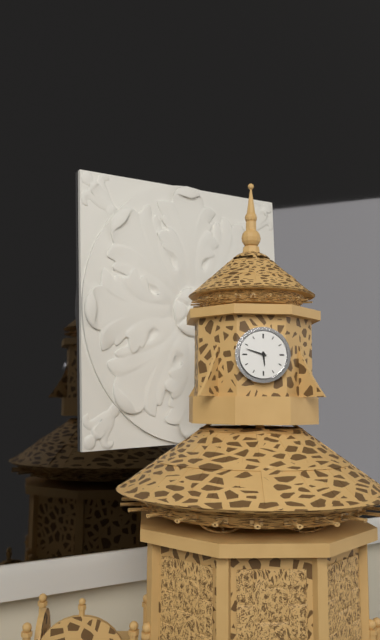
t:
5,48
